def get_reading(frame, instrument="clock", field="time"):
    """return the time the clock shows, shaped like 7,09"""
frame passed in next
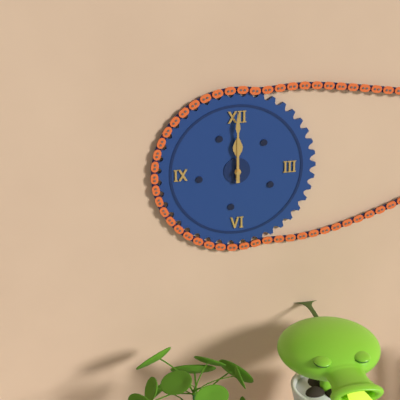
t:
12,00
